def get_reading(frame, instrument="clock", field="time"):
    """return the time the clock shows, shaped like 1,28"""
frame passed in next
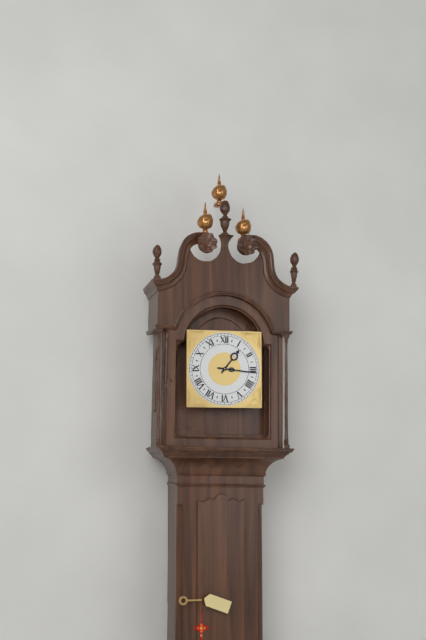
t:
1,16
